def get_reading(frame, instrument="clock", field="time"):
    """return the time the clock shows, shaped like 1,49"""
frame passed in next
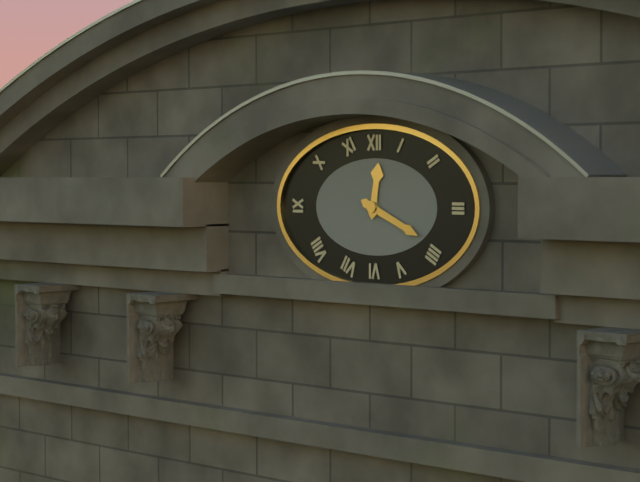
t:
12,19
